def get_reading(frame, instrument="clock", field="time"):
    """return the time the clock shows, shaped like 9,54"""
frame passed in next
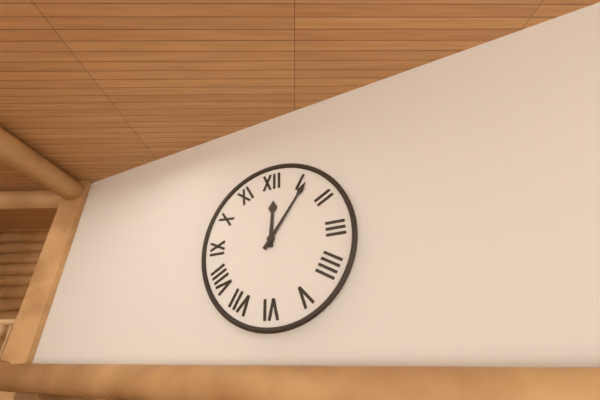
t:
12,06
